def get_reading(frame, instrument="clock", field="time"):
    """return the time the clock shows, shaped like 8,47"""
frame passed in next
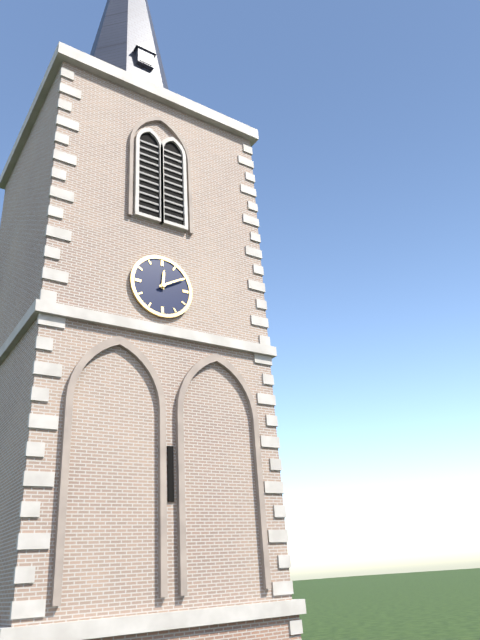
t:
12,10
